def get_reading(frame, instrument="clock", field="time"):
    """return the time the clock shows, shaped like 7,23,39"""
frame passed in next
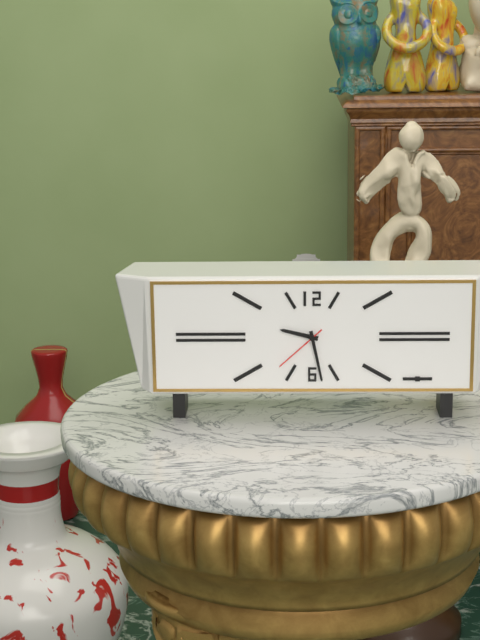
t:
9,28,38
